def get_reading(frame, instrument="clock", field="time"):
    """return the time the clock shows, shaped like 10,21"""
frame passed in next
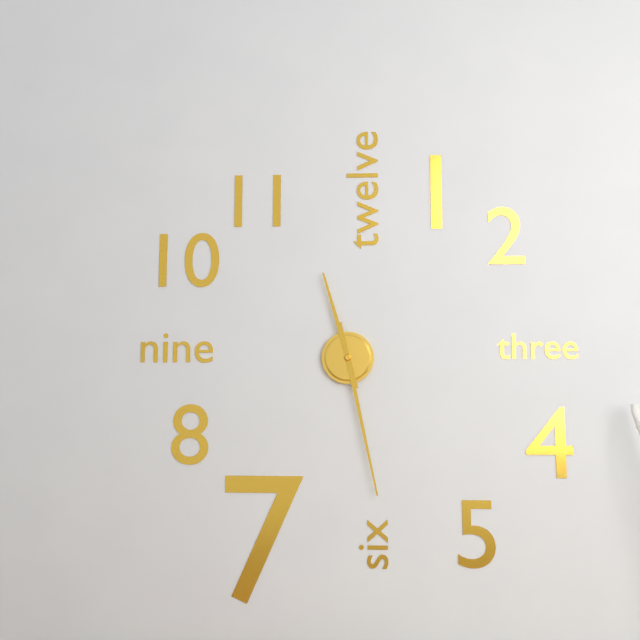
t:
11,28
